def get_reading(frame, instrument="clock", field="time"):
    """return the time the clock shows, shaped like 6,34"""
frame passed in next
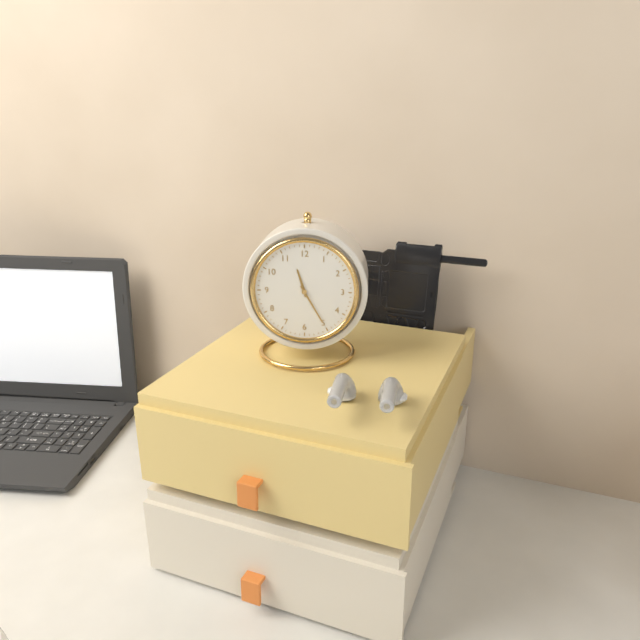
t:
11,25
